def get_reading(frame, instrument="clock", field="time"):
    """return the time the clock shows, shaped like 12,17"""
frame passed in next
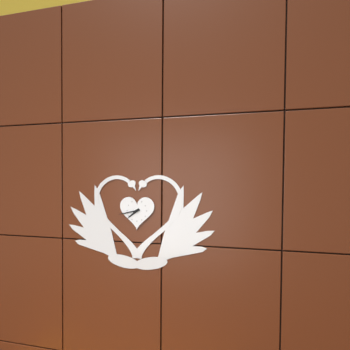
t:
7,43
